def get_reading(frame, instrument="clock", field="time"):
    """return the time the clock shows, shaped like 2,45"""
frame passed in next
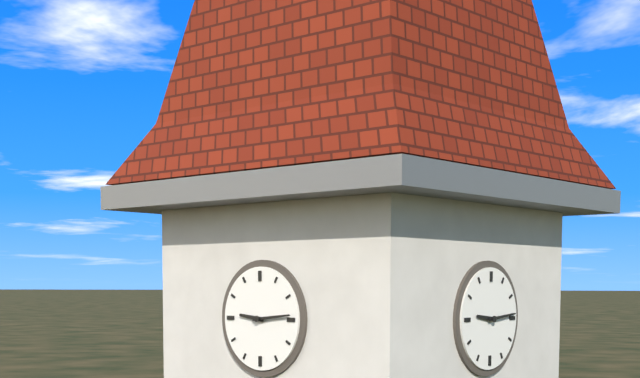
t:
9,14
